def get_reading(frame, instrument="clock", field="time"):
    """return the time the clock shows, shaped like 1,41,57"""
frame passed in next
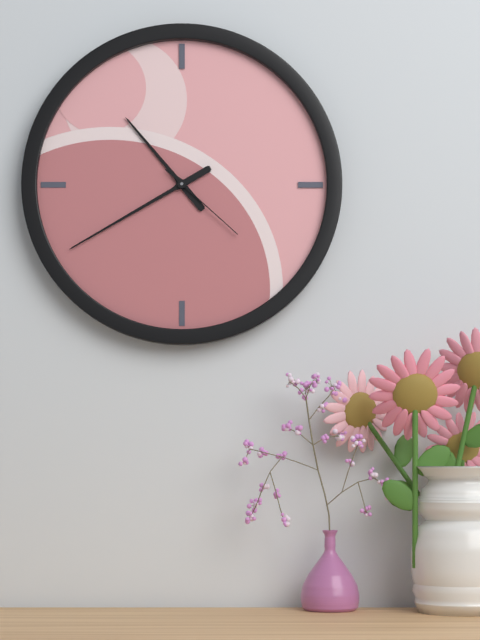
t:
10,40,22
